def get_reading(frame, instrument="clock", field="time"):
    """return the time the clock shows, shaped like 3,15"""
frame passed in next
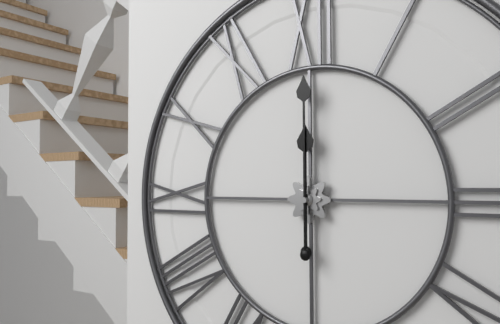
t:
12,00
